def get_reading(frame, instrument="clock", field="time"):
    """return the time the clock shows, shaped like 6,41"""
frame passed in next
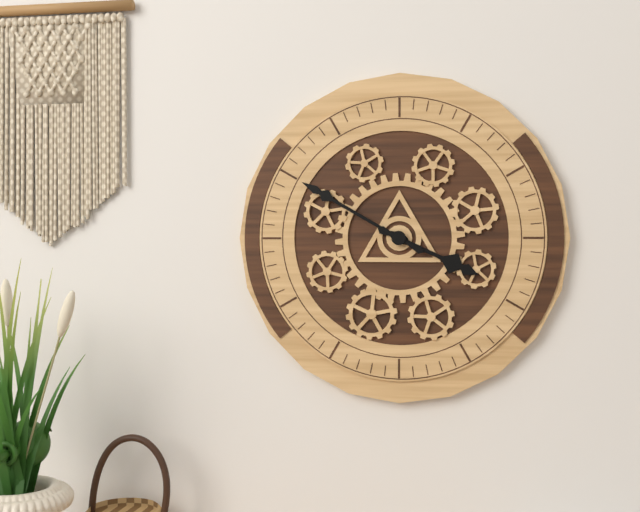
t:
3,50
